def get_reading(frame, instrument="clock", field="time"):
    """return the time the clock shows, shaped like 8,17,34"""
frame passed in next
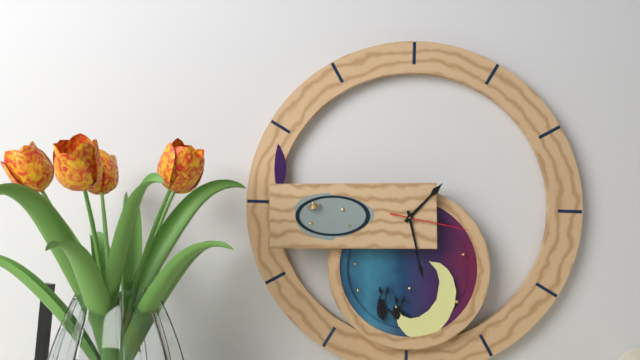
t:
1,28,17
